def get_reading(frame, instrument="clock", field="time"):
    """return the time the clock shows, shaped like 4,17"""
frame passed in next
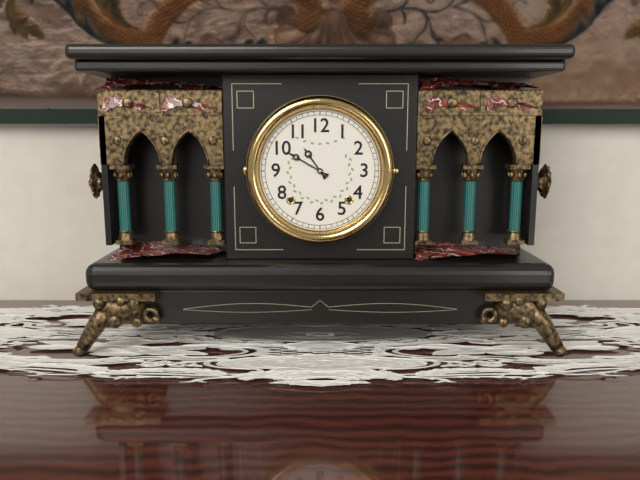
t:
10,50
